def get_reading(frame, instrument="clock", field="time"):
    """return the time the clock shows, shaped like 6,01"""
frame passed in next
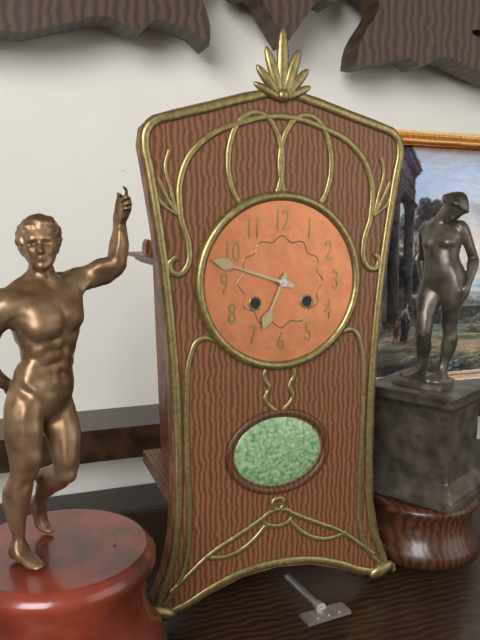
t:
6,48
